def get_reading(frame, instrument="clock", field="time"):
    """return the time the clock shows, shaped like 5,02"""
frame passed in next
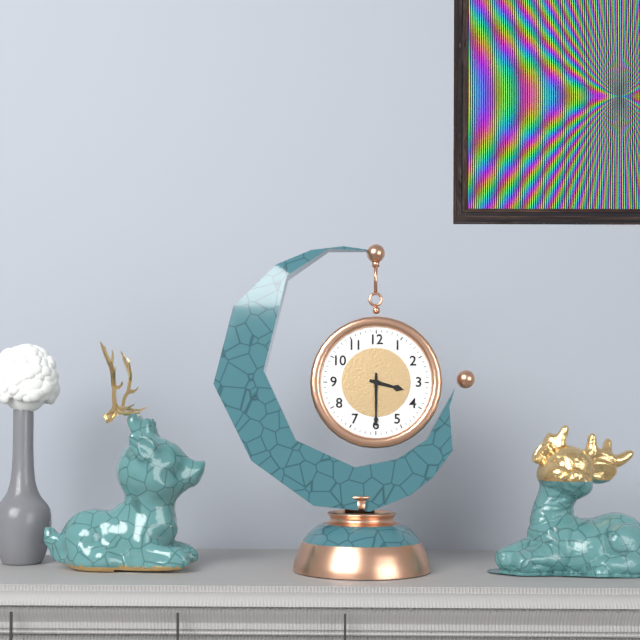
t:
3,30
